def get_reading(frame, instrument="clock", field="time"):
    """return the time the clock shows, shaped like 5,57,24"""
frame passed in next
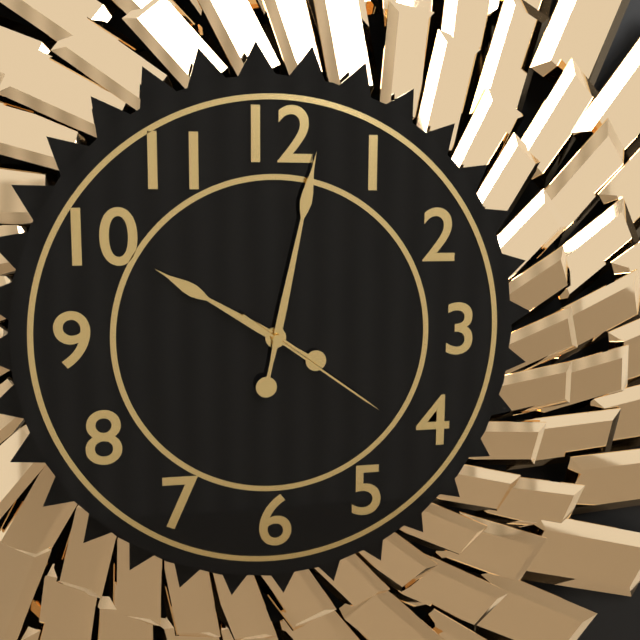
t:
10,02,21
